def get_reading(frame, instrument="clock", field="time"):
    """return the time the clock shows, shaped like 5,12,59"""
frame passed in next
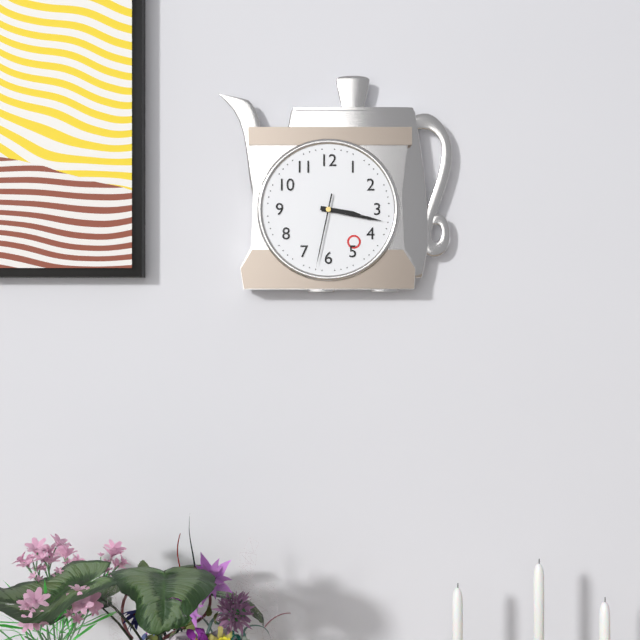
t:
3,17,32
